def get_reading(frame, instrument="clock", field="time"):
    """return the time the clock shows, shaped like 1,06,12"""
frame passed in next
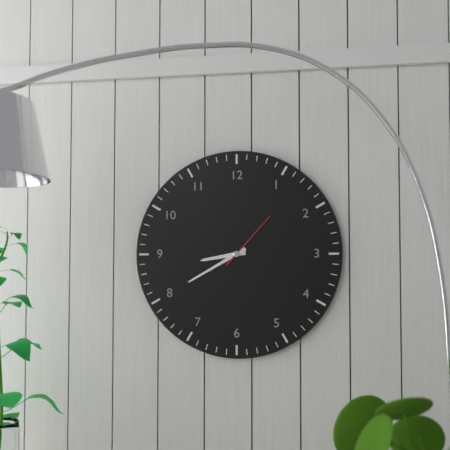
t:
8,40,07
